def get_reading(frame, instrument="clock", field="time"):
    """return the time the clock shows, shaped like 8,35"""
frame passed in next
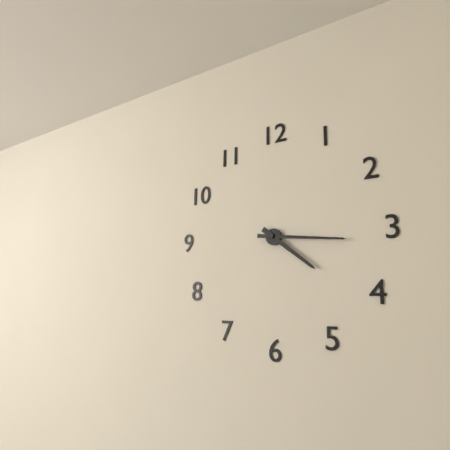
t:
4,16
